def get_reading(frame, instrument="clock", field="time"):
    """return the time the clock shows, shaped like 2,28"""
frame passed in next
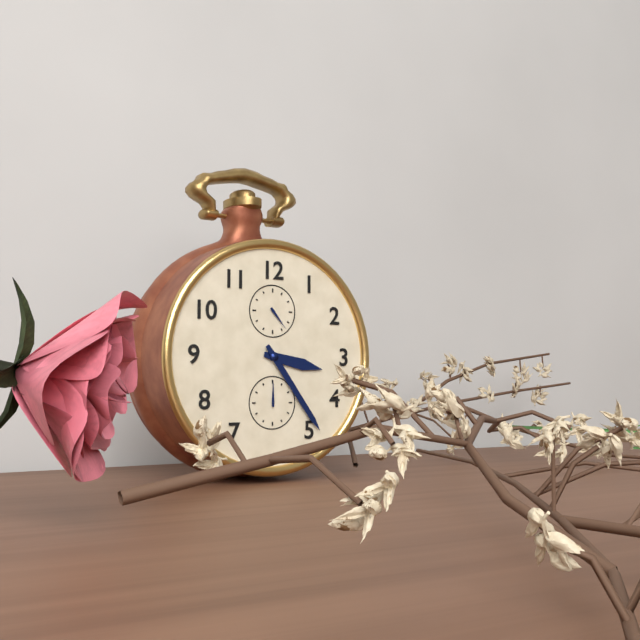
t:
3,24
